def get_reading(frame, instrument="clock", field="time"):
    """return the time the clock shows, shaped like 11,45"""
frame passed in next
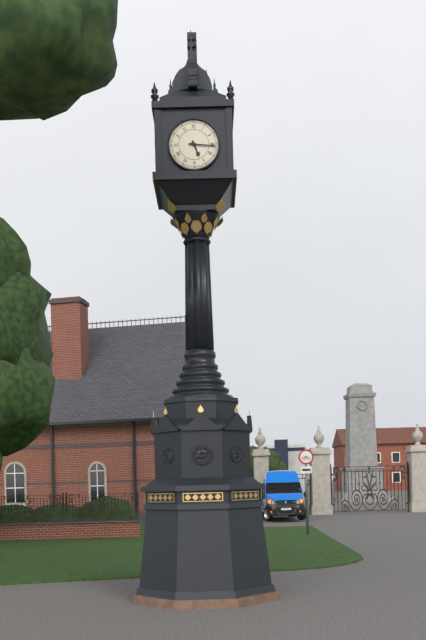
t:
5,16
